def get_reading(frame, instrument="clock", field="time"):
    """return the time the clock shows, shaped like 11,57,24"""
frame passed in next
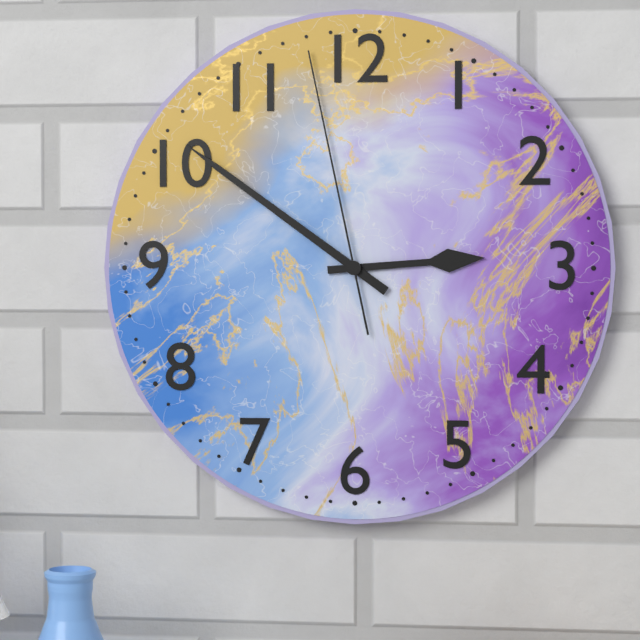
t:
2,51,58
